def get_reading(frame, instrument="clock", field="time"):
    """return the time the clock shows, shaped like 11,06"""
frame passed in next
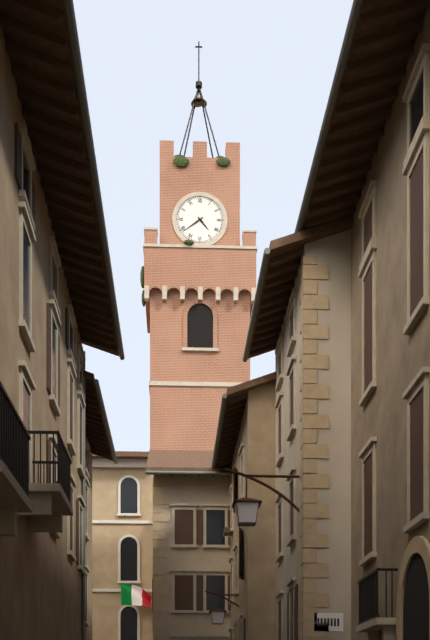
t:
4,39
